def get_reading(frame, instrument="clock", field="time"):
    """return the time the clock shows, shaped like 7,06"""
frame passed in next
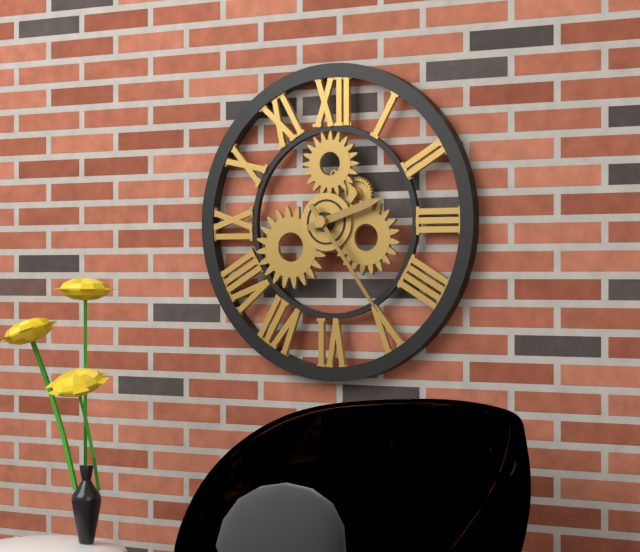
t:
2,24
